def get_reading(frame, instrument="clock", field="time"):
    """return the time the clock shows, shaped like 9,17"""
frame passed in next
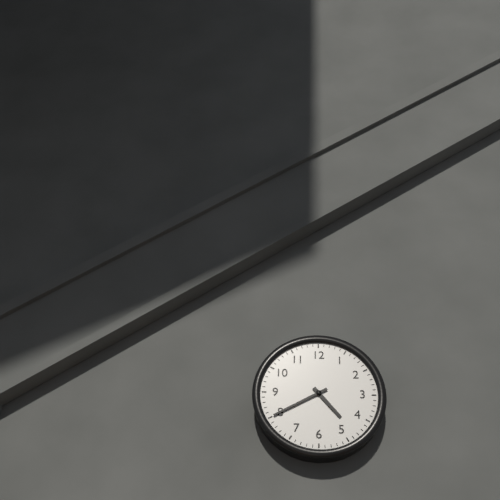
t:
4,40
